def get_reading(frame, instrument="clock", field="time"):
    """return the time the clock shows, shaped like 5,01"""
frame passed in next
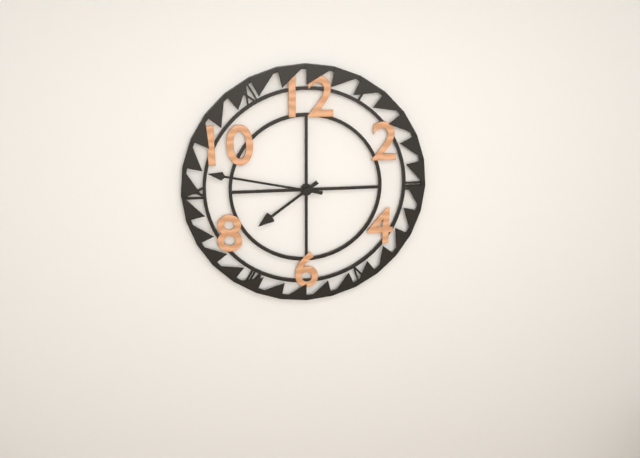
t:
7,47
